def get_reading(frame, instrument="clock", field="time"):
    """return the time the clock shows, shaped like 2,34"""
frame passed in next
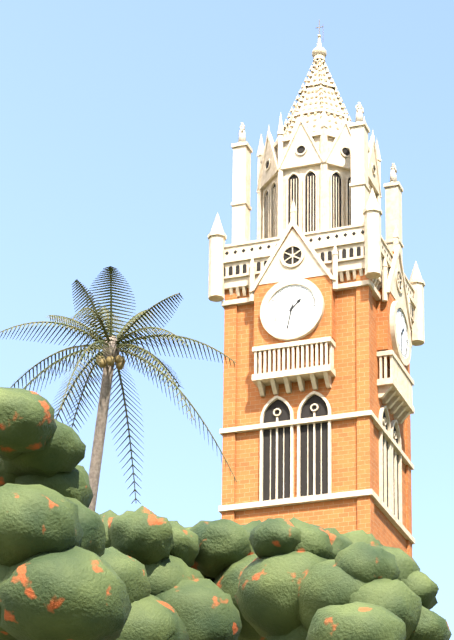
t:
1,32
